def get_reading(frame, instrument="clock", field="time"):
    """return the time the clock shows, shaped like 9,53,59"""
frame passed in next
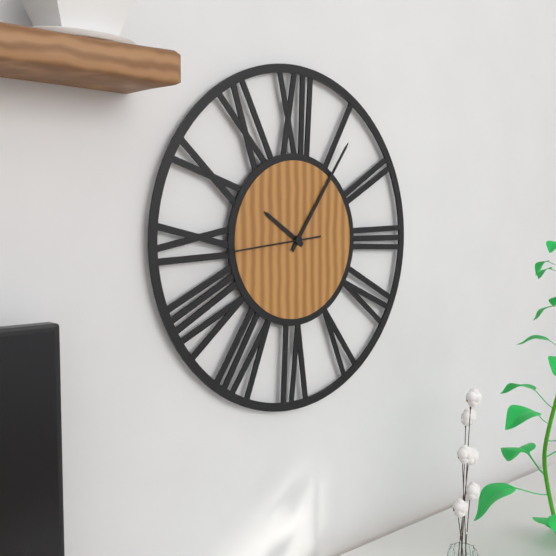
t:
10,06,44
